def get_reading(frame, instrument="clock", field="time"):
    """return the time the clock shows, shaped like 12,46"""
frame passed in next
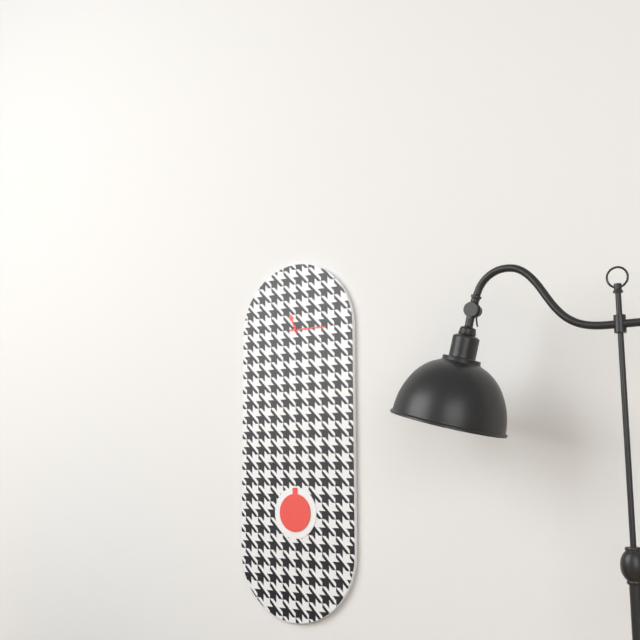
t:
11,15
